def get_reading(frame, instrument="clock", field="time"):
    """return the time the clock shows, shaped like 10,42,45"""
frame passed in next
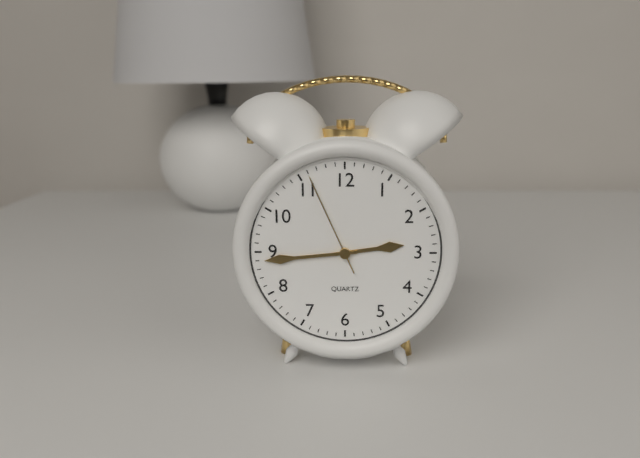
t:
2,44,56
